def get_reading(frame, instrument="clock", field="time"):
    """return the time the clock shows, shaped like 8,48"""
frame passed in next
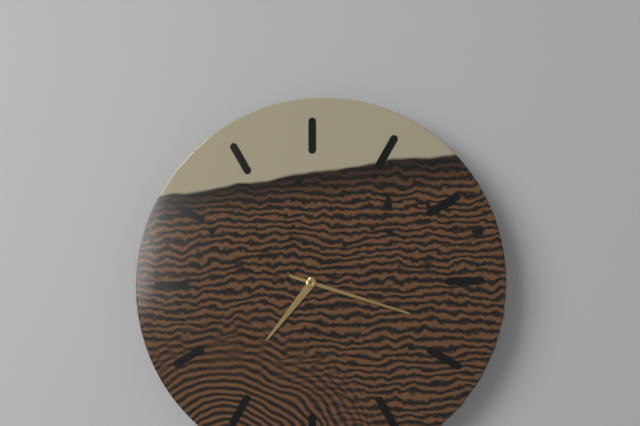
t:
7,18
